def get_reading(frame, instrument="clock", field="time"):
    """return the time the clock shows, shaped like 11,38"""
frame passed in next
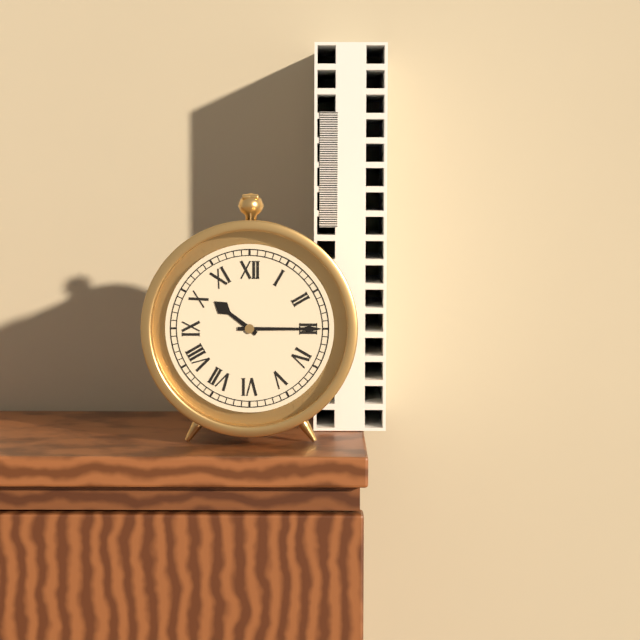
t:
10,15
